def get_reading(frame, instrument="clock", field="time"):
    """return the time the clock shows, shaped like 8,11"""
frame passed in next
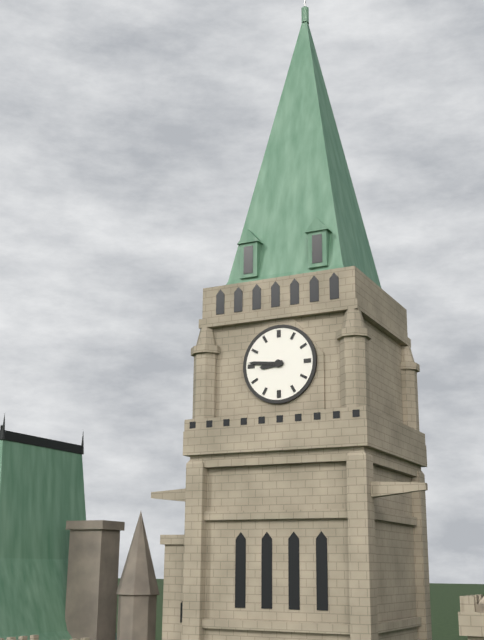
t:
8,46
